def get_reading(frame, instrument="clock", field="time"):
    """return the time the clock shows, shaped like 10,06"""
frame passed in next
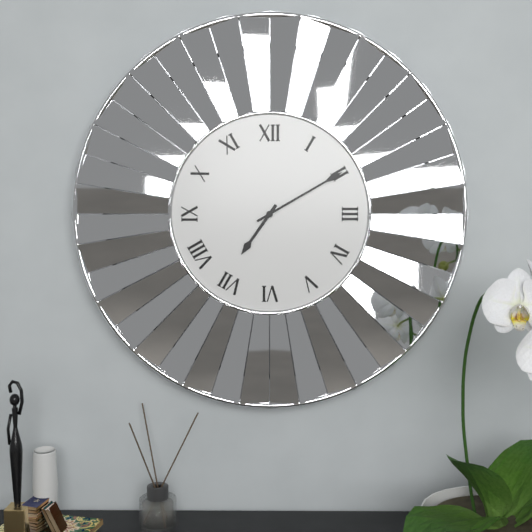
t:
7,10
